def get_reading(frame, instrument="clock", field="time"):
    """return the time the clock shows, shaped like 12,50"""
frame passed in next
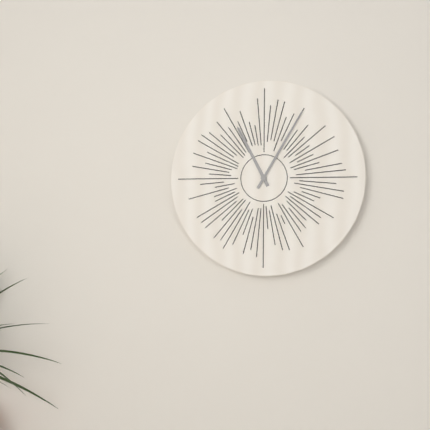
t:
11,05
